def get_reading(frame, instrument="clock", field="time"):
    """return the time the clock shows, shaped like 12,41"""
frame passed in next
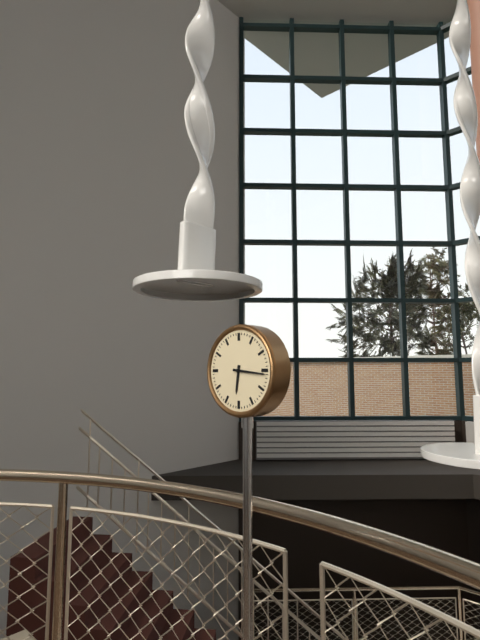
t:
6,16
